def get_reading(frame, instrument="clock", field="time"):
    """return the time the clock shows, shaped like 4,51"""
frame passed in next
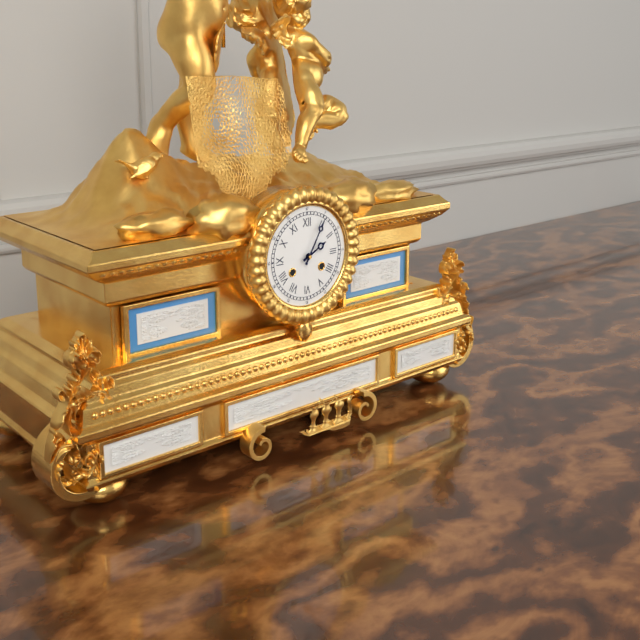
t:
2,05
